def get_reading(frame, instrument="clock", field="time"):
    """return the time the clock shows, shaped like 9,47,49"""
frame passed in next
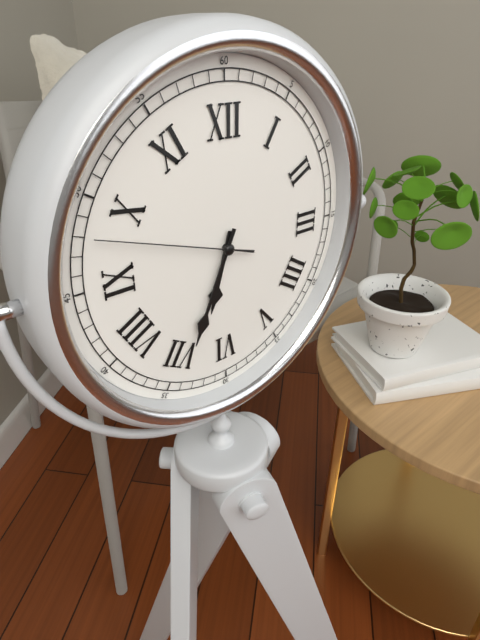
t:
6,34,48
